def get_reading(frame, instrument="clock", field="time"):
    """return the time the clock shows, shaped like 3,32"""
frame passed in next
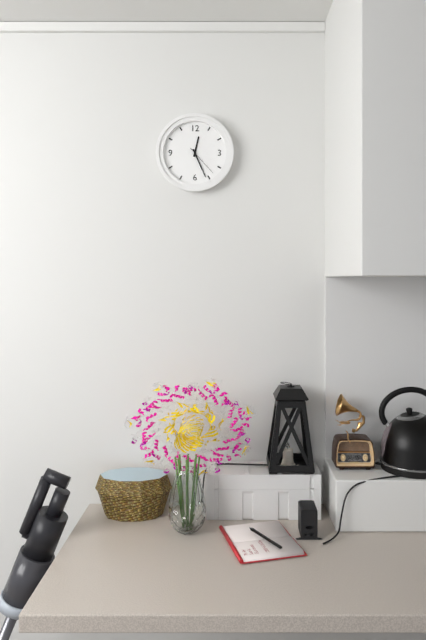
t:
12,26
